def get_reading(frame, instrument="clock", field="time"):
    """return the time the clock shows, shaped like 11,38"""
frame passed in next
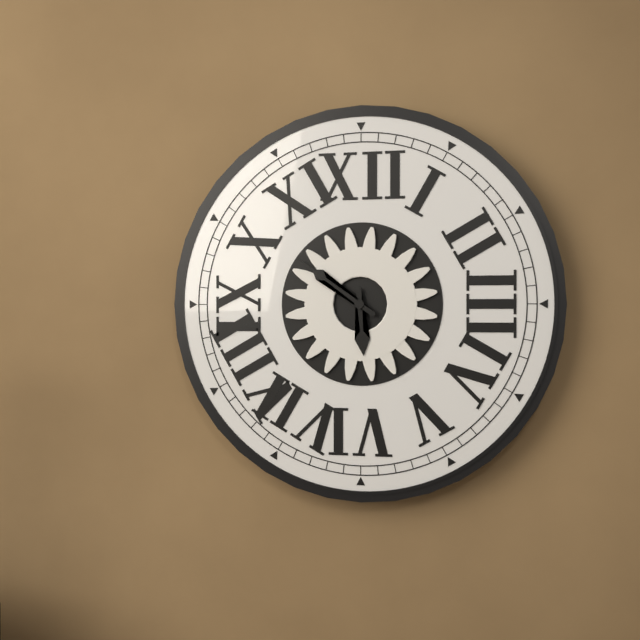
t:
5,51
